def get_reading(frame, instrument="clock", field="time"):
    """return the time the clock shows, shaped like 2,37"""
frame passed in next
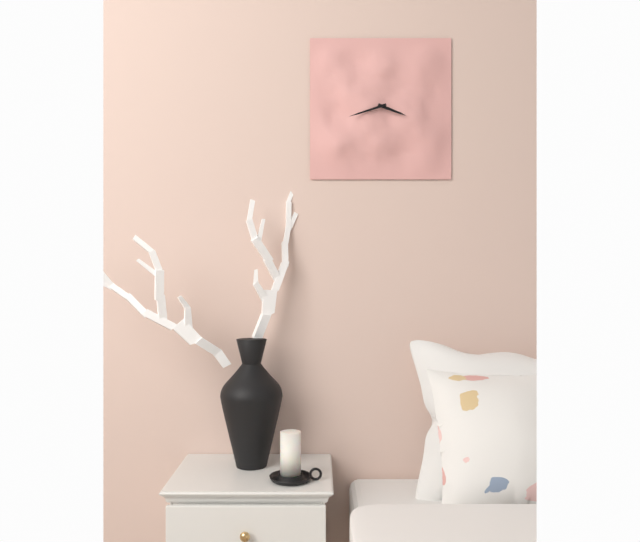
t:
3,42
